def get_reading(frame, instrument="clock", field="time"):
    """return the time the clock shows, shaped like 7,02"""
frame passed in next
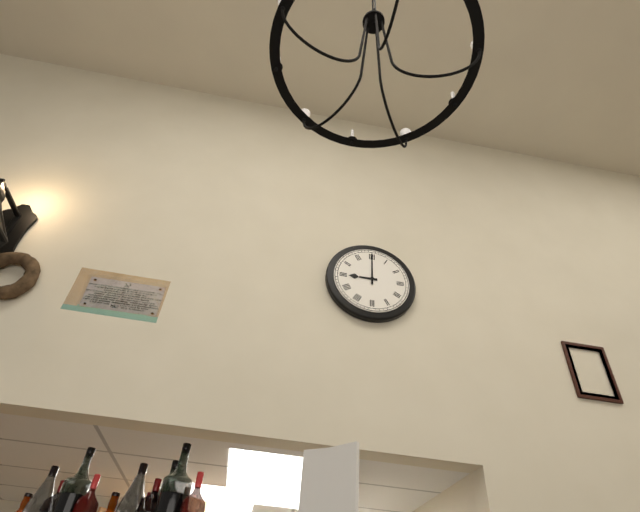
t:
9,00
